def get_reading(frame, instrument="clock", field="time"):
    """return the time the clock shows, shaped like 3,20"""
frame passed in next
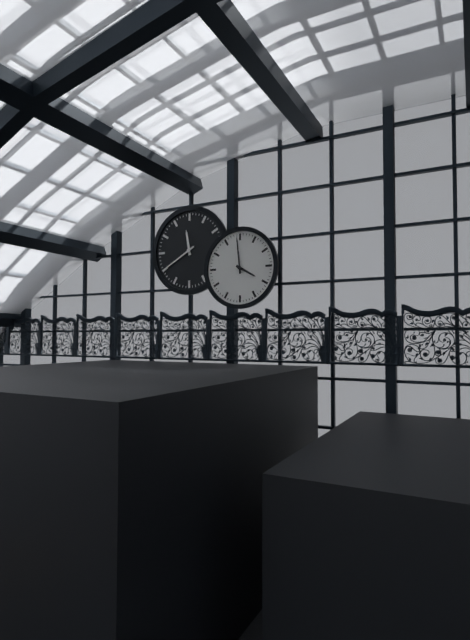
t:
3,59
